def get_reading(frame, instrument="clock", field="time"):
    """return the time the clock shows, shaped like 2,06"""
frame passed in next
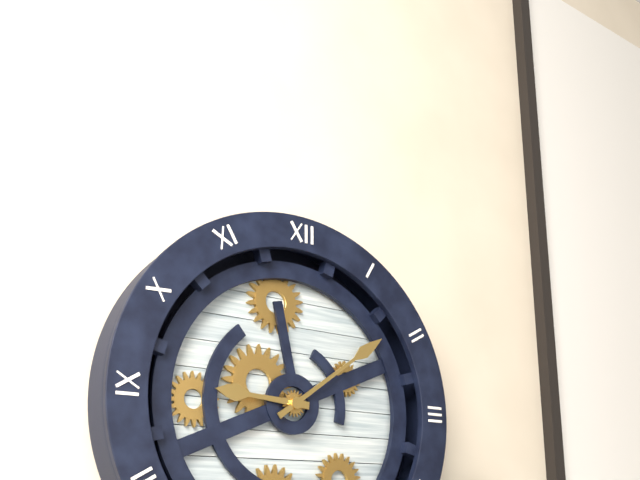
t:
9,09
